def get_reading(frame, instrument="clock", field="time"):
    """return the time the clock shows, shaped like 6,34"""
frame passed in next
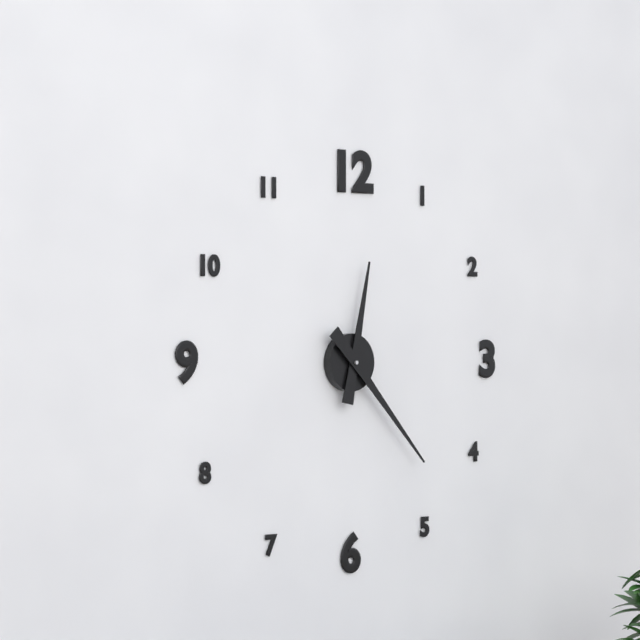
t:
12,23
